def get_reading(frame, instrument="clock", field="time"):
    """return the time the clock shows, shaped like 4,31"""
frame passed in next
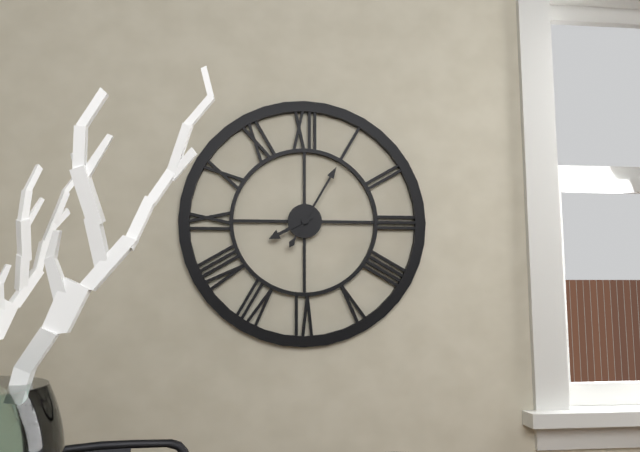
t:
8,05
